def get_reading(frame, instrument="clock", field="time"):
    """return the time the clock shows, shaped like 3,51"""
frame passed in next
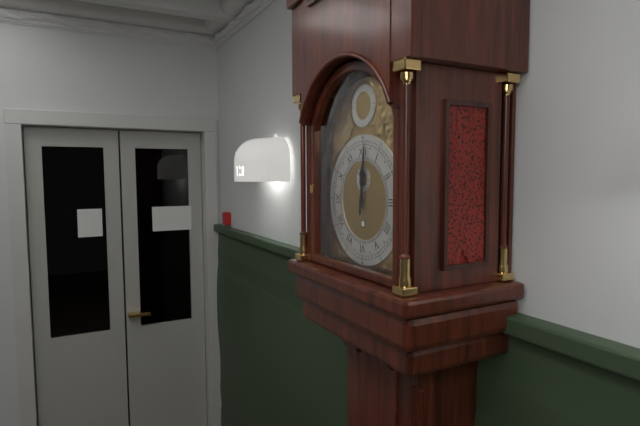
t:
12,01
